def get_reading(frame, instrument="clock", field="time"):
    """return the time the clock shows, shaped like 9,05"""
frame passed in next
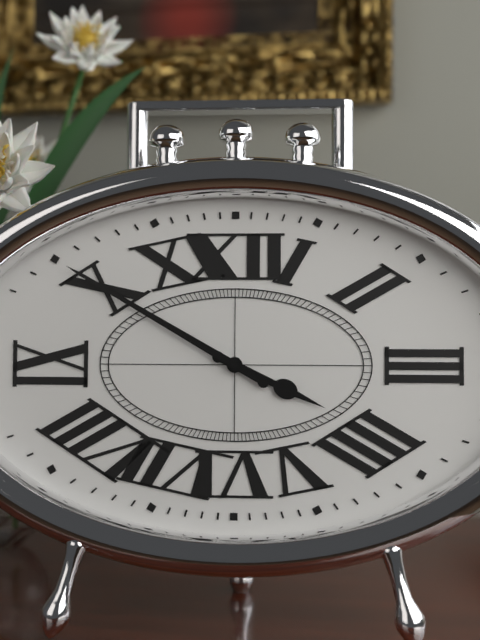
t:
3,50
